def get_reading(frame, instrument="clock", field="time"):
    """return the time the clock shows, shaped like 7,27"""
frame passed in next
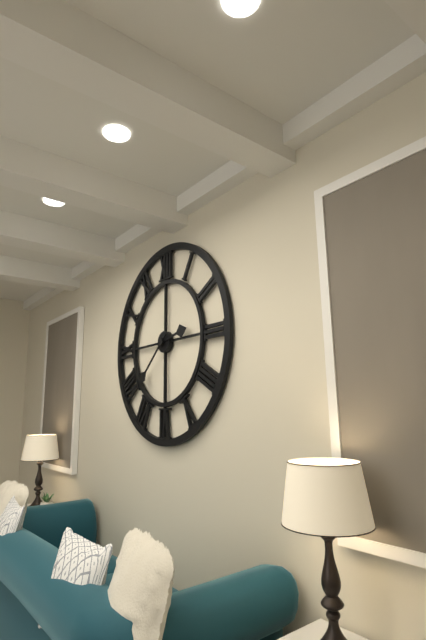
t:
2,38
